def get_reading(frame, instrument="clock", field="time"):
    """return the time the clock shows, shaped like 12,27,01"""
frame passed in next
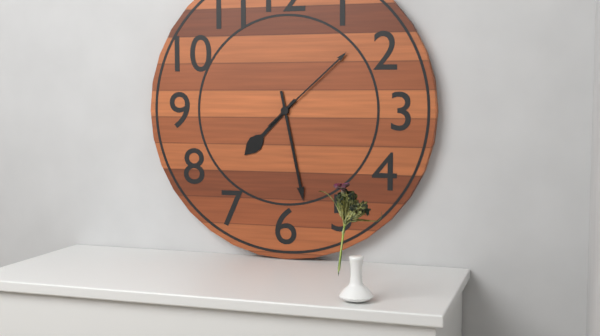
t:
7,28,08
